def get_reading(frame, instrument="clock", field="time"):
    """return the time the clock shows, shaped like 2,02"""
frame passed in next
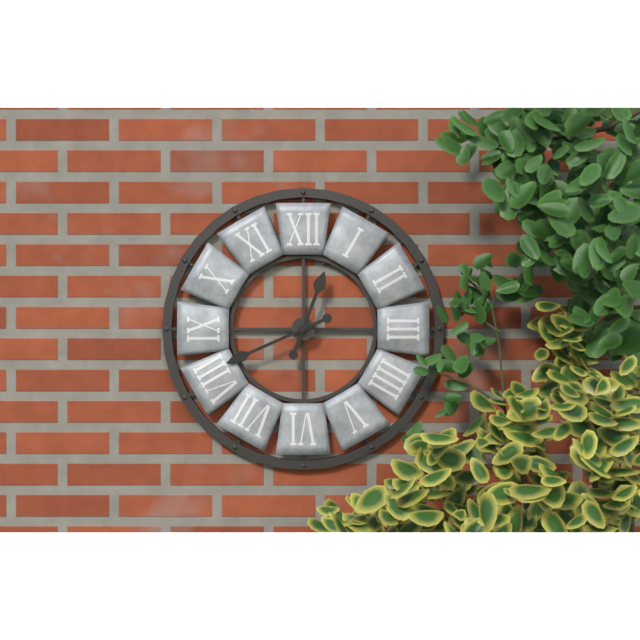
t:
12,41
